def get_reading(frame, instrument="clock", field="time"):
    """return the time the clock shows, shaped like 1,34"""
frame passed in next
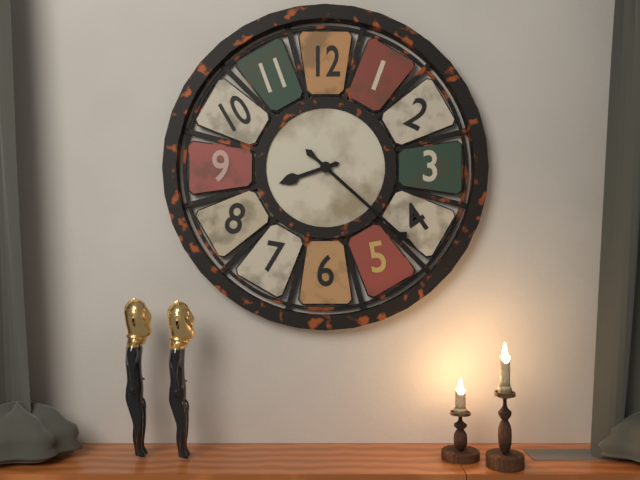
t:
8,22
